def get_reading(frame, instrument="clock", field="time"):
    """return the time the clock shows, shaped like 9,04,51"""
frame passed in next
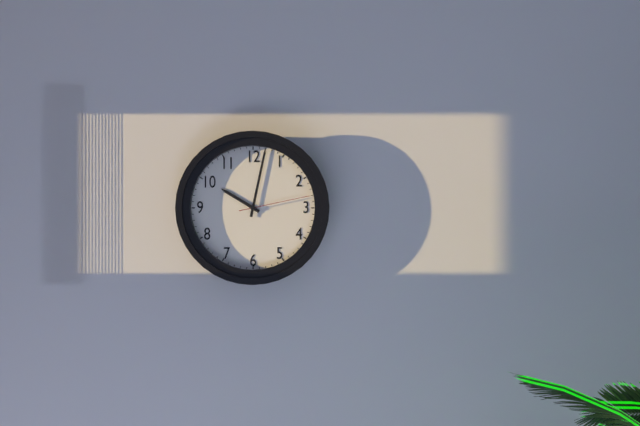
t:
10,02,13
